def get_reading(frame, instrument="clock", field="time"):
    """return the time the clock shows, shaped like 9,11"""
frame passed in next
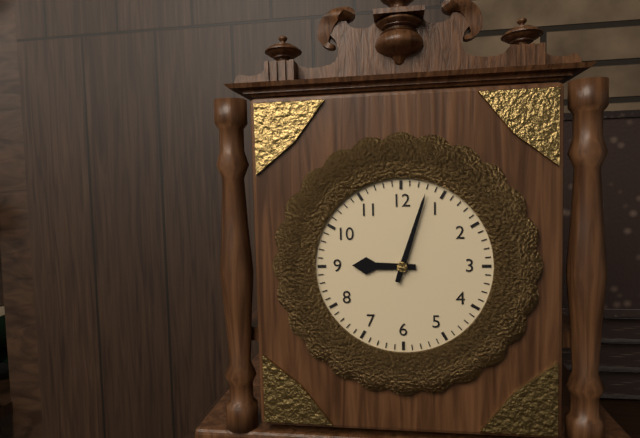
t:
9,03
